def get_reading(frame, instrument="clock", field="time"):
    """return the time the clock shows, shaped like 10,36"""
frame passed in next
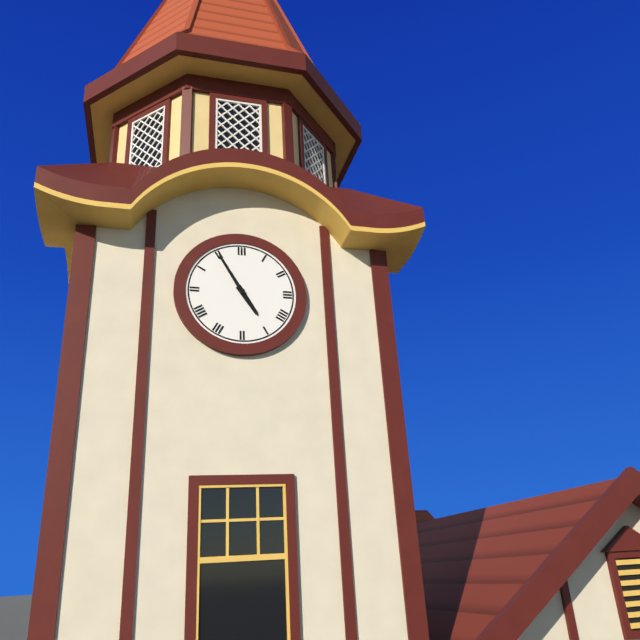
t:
4,55
